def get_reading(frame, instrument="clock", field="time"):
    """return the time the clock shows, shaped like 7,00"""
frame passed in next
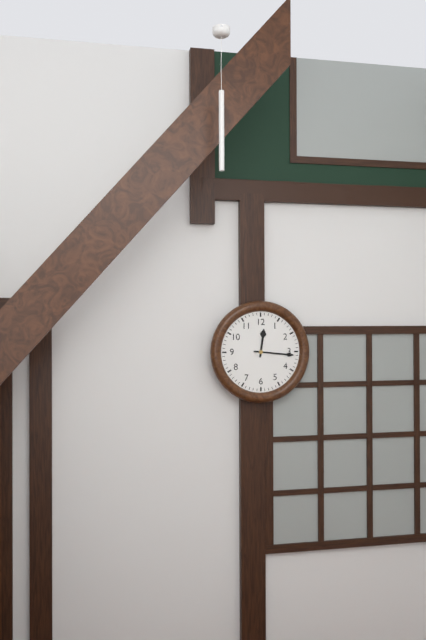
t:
12,16
